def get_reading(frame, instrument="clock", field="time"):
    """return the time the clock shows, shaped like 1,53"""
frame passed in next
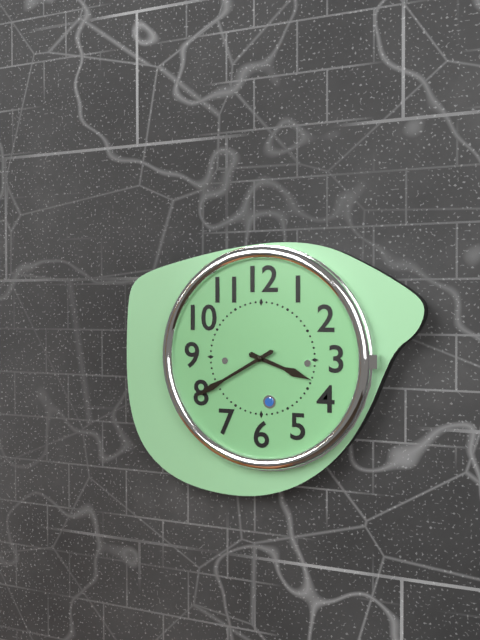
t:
3,40
